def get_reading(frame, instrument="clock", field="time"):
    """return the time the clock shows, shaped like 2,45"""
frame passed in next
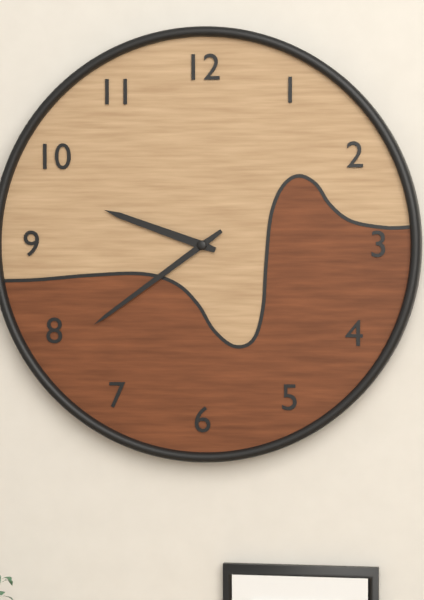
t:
9,39
